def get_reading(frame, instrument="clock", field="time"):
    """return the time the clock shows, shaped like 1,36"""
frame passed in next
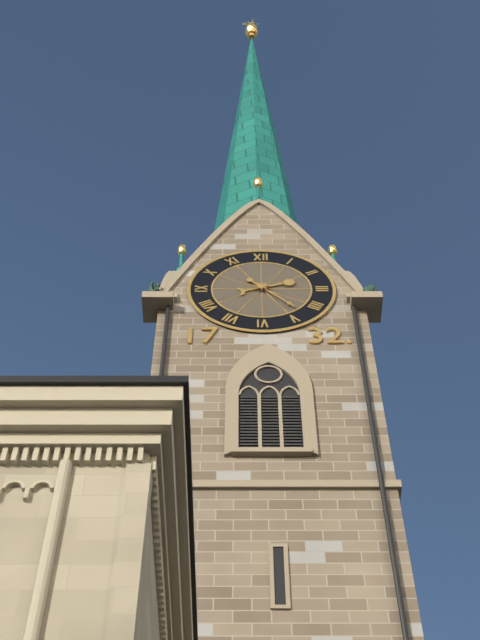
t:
2,23
